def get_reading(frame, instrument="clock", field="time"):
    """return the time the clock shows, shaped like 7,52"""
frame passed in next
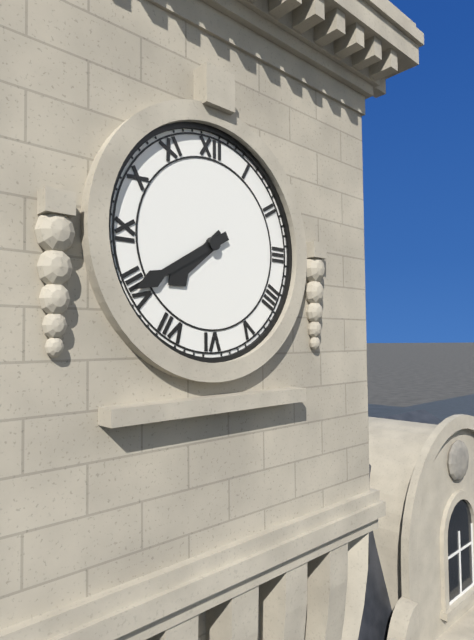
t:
7,40
